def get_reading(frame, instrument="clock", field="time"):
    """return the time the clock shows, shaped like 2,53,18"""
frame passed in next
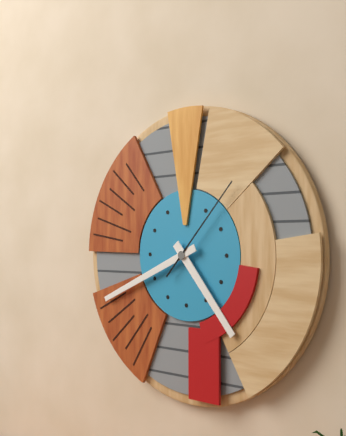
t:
4,41,07
